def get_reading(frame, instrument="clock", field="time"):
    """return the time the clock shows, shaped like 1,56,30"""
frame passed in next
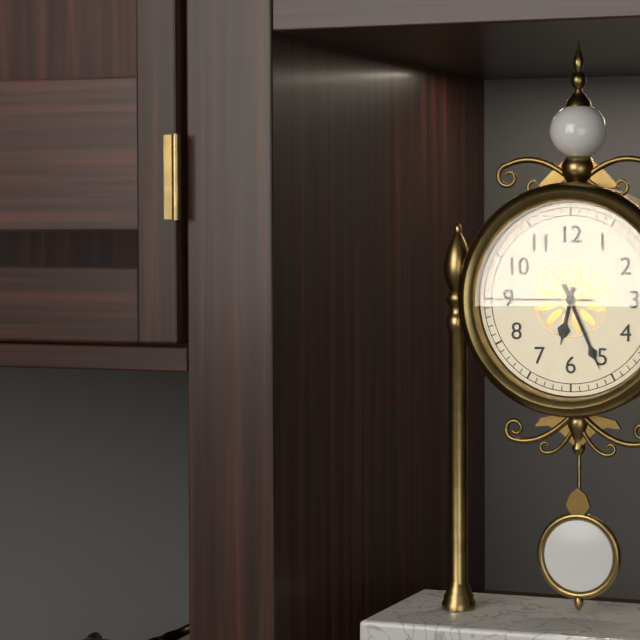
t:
6,26,45
